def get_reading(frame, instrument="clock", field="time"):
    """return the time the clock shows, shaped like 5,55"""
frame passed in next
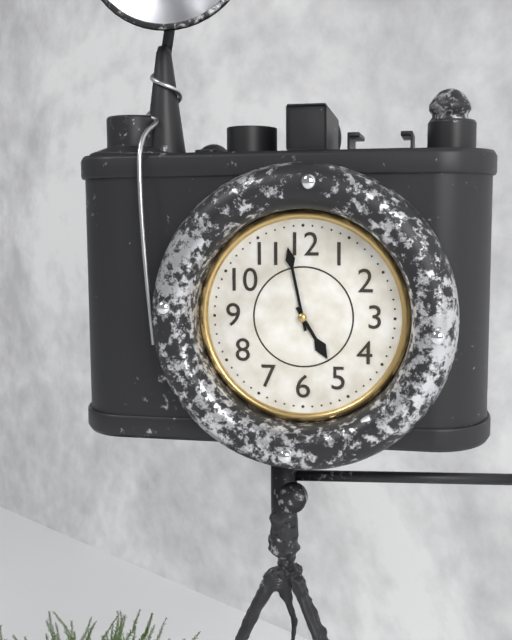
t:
4,58
